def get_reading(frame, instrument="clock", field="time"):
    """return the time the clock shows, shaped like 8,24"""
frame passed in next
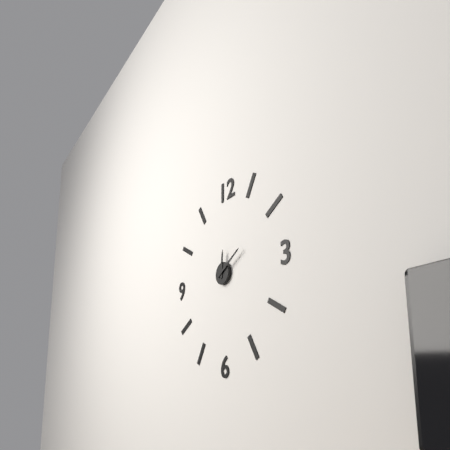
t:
12,10
